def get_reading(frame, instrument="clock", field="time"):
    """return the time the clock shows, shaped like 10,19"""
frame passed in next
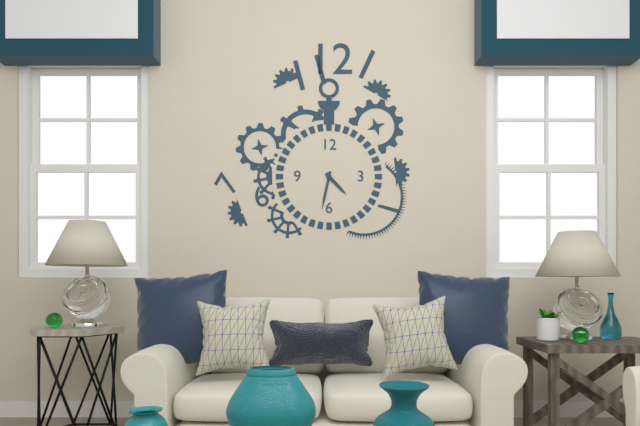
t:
4,32
